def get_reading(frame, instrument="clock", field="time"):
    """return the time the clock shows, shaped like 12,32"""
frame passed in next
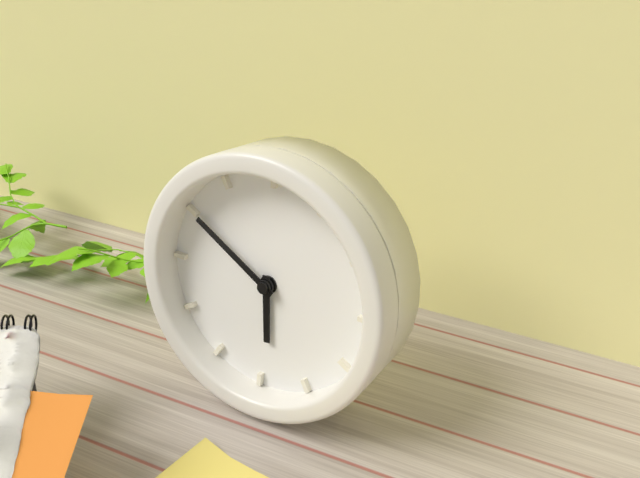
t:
5,50
